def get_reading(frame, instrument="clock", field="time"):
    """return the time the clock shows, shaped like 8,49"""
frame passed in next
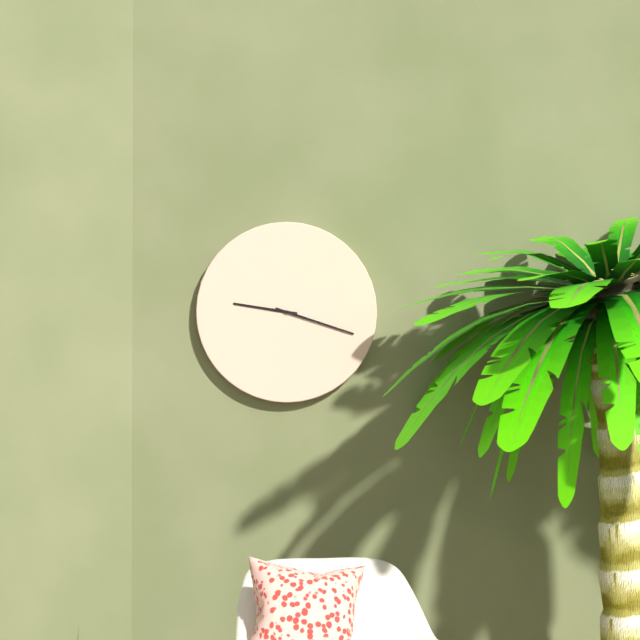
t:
9,18
